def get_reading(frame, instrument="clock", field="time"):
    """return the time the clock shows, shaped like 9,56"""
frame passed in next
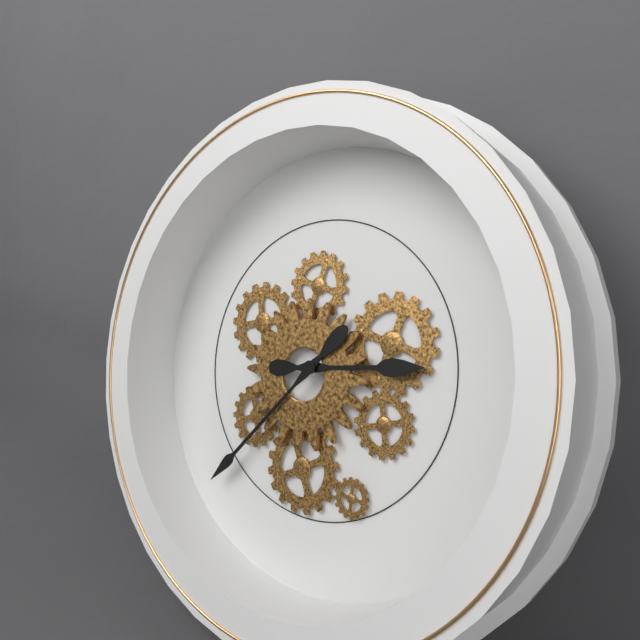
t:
2,36
